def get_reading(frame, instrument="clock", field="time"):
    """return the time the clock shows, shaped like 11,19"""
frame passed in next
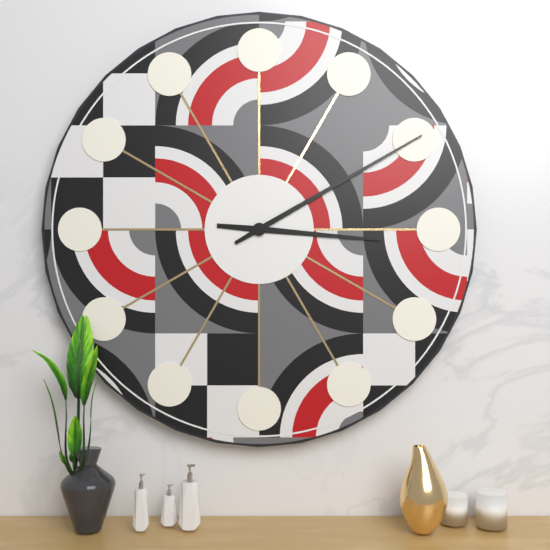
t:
3,10
